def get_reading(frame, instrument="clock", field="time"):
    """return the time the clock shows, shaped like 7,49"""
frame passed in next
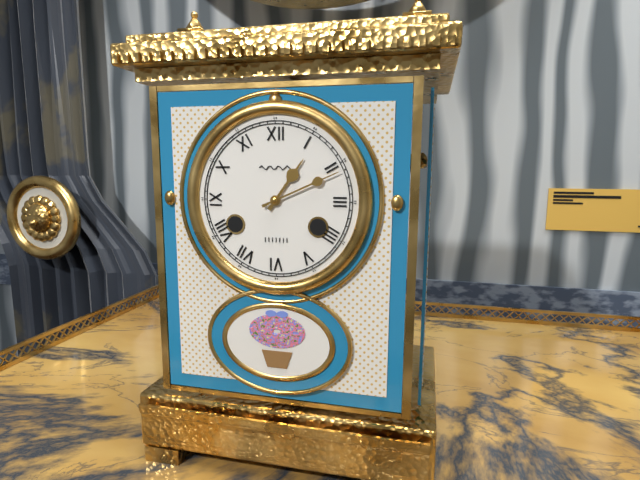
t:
1,11
